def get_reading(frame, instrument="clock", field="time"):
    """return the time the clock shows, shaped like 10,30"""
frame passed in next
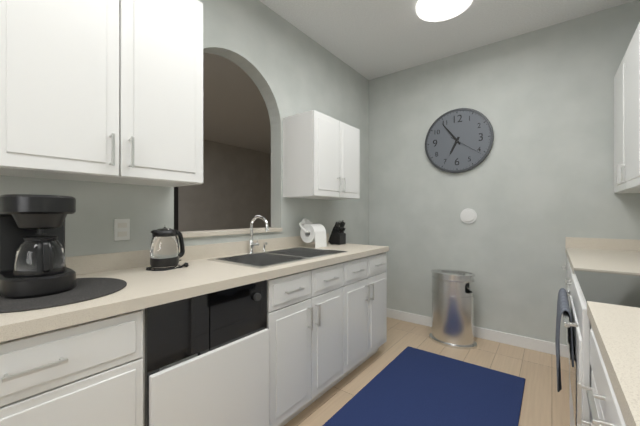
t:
6,54
